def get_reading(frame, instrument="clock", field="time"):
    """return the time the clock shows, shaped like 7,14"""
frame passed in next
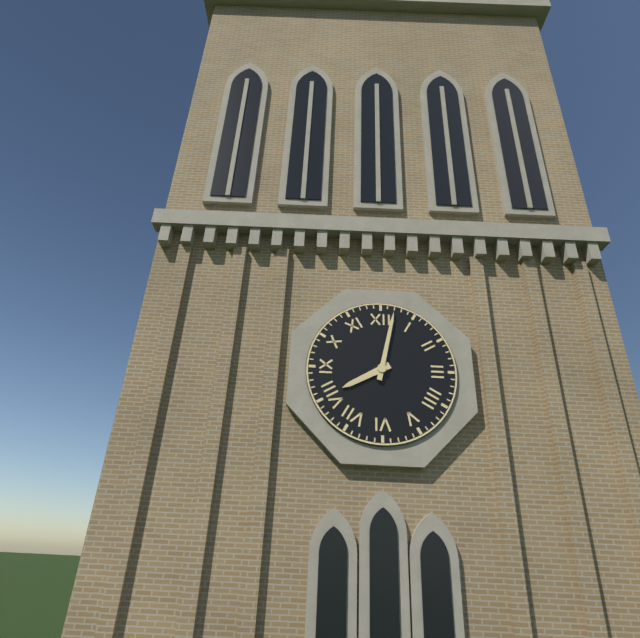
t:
8,02
